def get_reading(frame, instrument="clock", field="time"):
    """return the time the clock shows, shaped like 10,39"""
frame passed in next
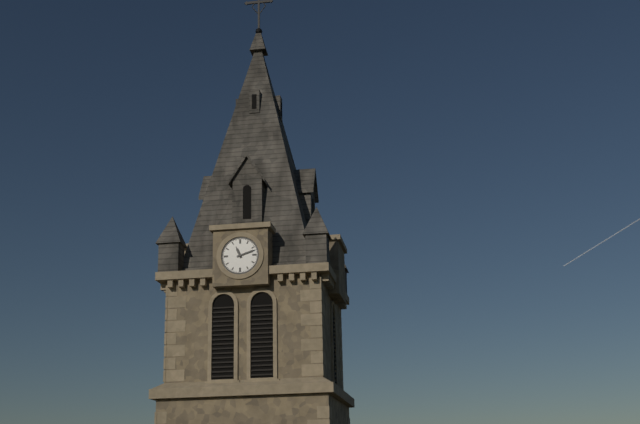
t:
11,12
